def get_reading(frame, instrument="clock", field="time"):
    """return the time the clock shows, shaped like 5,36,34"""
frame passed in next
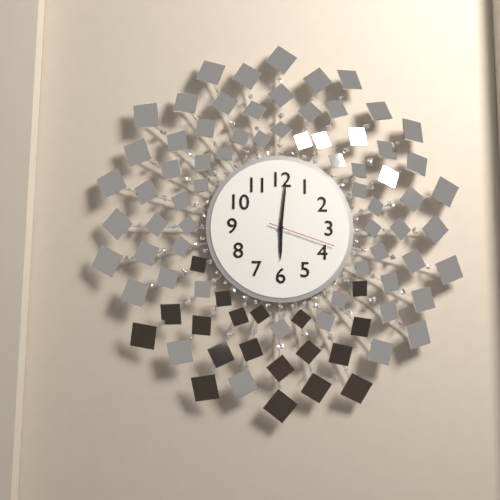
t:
6,01,18
